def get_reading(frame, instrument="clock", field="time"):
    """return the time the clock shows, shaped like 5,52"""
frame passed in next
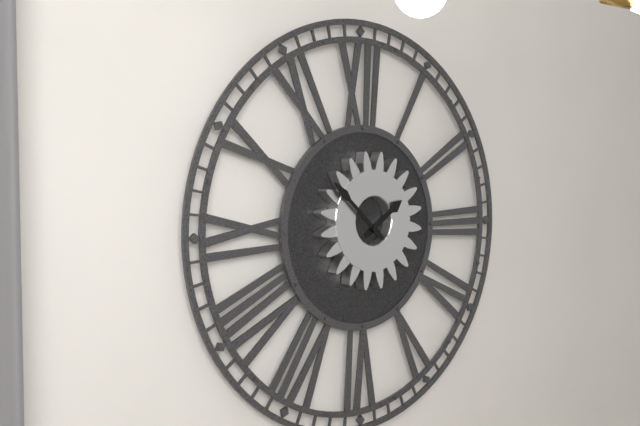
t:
1,52
